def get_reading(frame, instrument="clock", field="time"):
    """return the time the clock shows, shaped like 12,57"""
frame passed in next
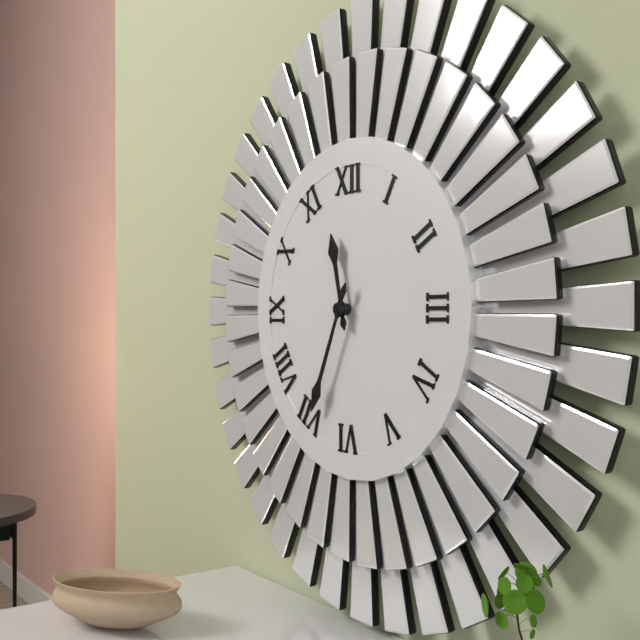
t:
11,34
